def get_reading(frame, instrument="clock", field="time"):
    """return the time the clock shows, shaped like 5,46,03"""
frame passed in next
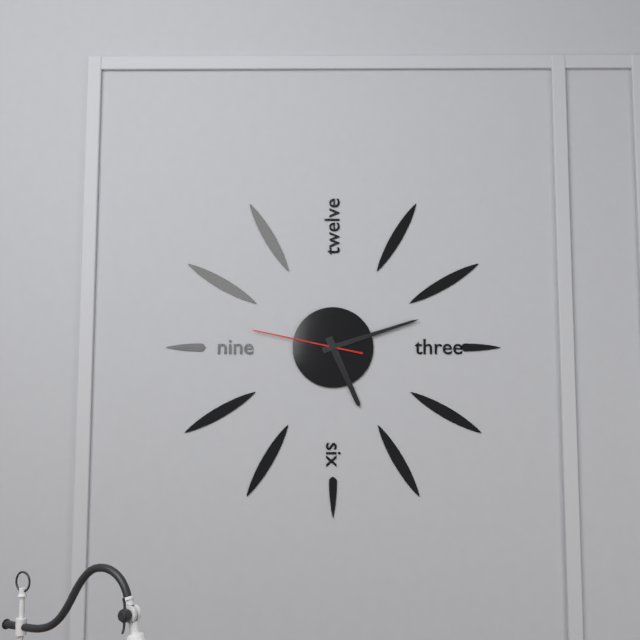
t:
5,12,47
